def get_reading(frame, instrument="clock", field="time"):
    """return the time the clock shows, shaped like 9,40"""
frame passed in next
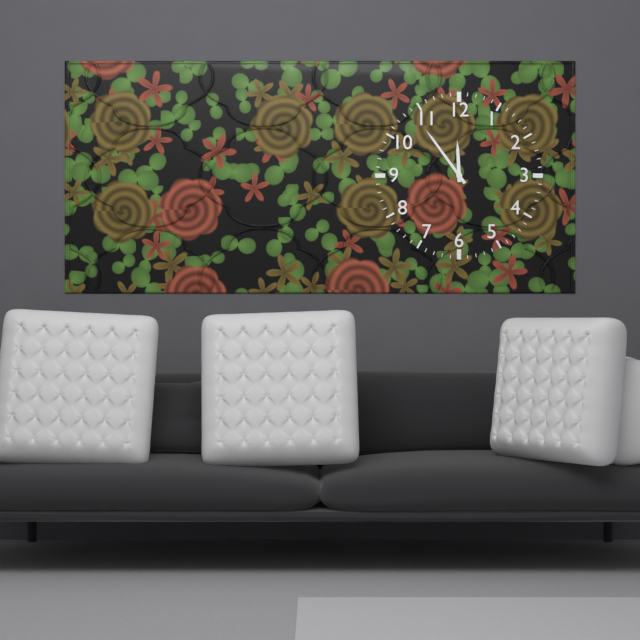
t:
11,54
